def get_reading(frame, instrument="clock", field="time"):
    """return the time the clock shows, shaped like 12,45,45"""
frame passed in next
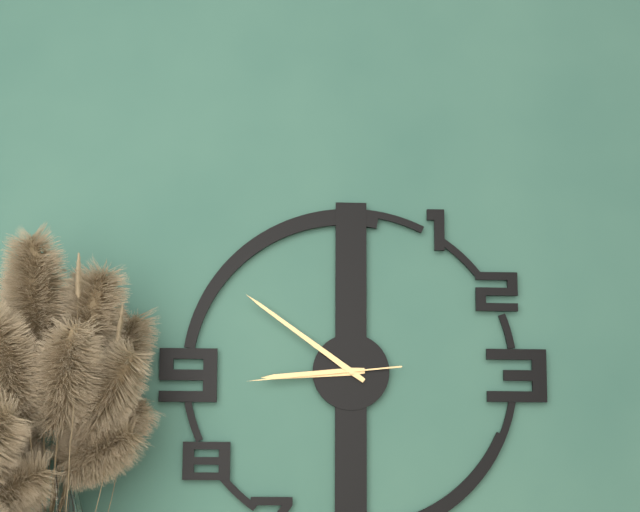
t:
8,51,44
